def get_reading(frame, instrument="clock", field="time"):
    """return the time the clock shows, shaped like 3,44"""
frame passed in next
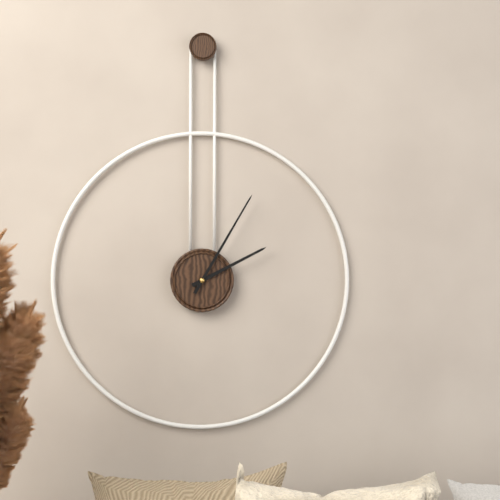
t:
2,05
